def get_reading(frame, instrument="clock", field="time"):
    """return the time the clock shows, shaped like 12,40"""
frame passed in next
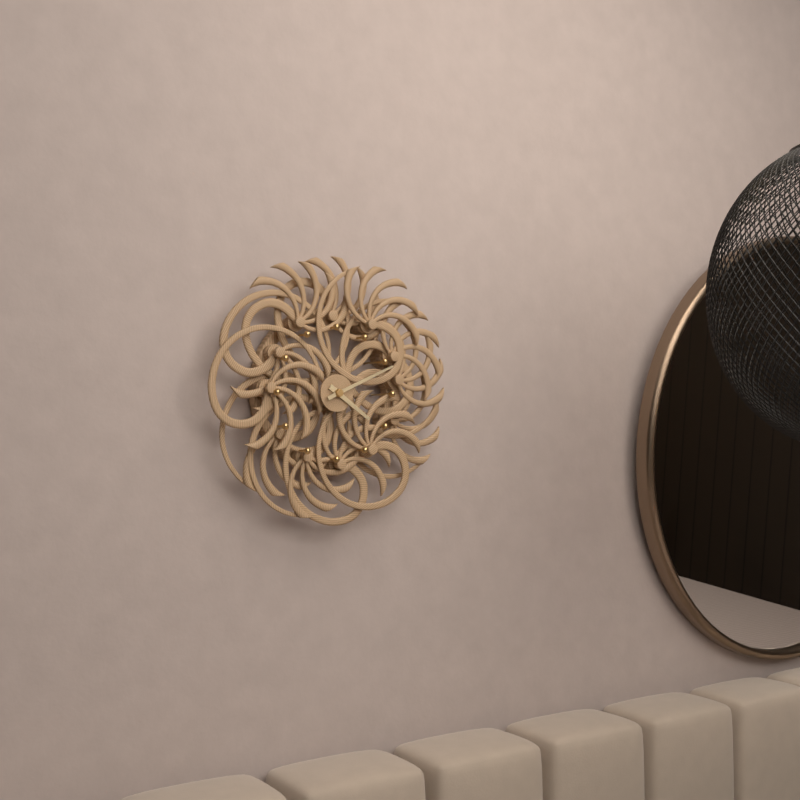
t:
4,11
